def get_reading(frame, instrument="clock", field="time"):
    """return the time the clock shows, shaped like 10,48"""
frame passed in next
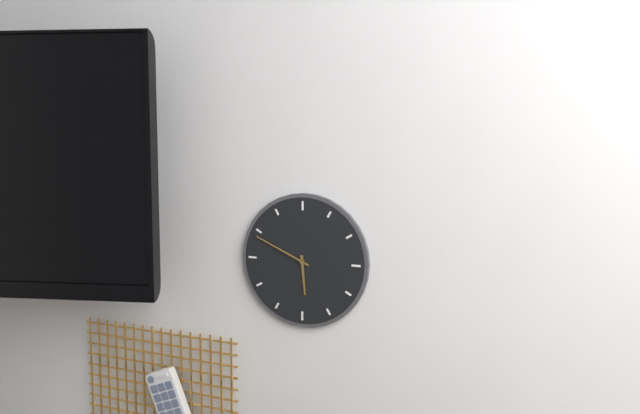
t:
5,49
